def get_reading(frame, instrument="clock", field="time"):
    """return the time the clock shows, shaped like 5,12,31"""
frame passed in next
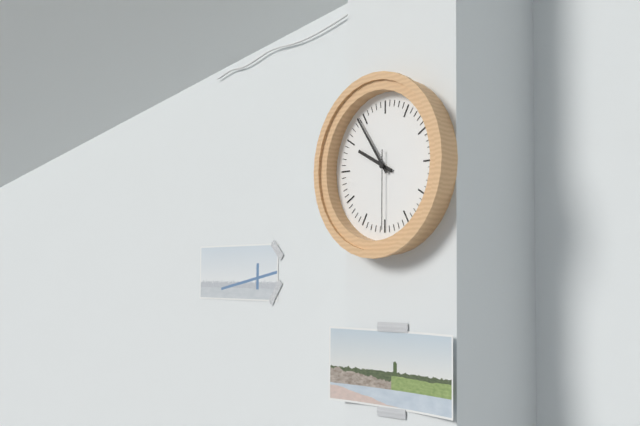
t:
9,54,30
